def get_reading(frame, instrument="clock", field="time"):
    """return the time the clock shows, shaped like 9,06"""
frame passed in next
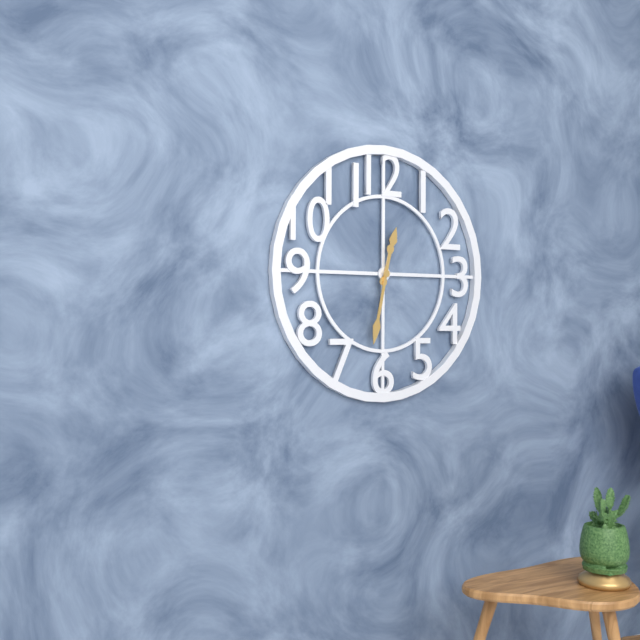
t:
12,32
